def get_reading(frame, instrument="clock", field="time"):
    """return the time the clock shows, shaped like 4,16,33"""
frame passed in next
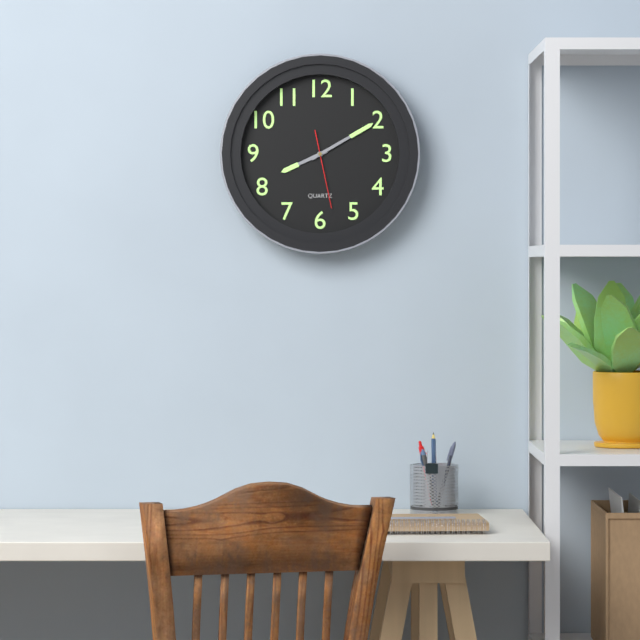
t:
8,10,28
